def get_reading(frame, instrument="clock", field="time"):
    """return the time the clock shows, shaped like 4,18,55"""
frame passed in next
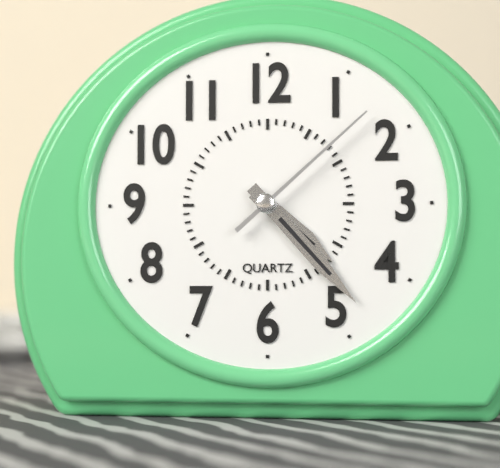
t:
4,23,08
